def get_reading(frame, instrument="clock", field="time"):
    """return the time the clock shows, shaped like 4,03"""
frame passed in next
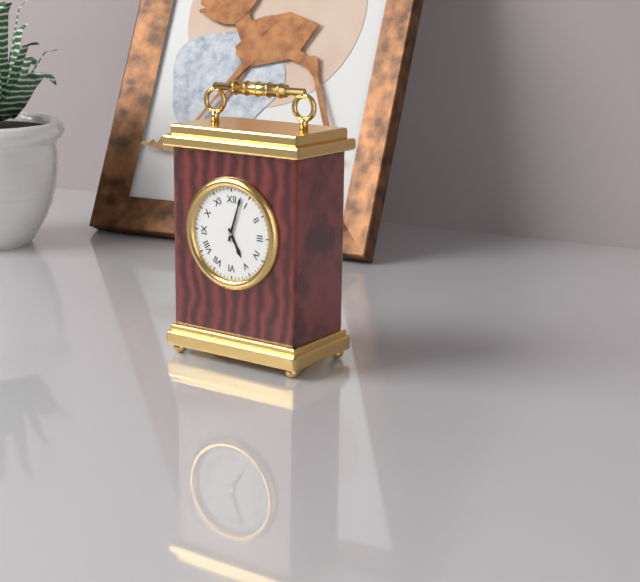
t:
5,03
